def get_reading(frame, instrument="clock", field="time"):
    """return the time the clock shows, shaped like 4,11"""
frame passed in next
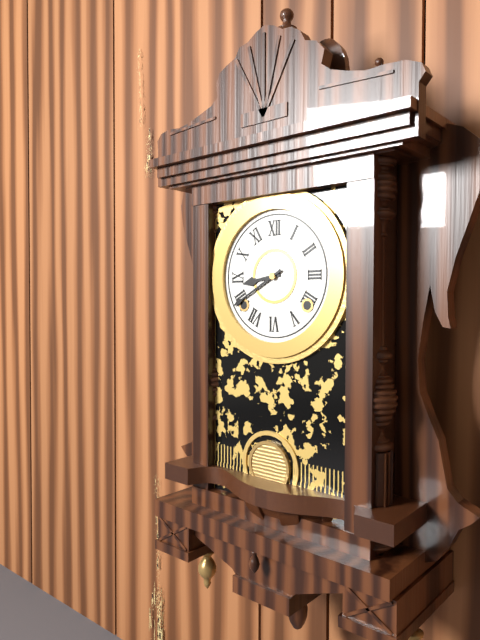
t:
8,40
